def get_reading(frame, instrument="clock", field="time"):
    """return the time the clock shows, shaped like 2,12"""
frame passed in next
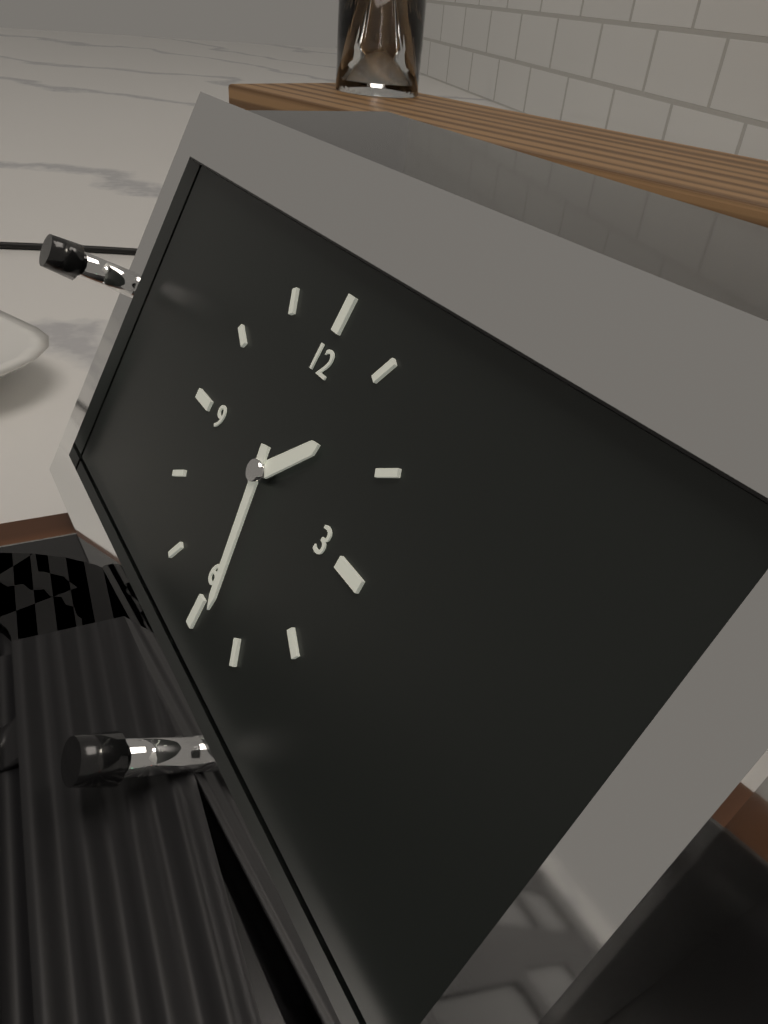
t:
1,28
